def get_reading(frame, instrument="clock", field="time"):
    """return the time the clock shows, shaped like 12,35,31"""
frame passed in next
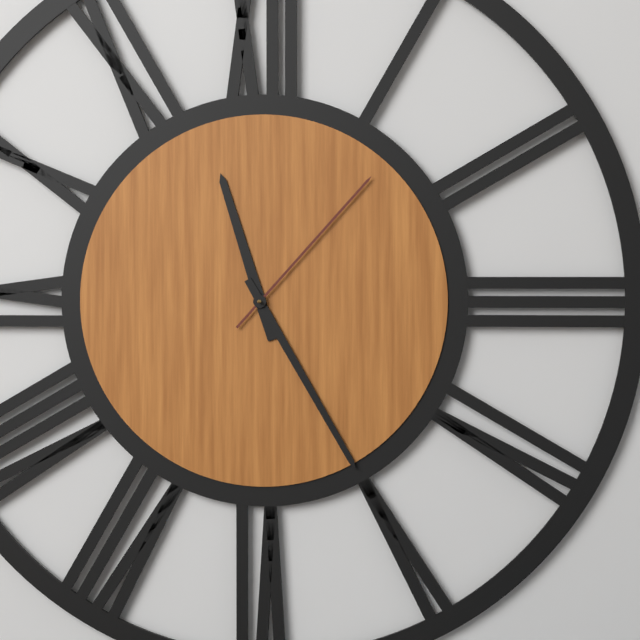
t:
11,25,07
